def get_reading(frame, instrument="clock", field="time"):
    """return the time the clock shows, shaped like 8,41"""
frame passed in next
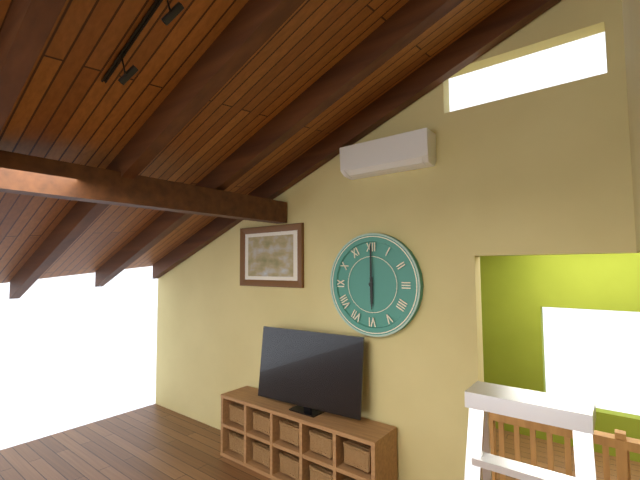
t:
6,00
